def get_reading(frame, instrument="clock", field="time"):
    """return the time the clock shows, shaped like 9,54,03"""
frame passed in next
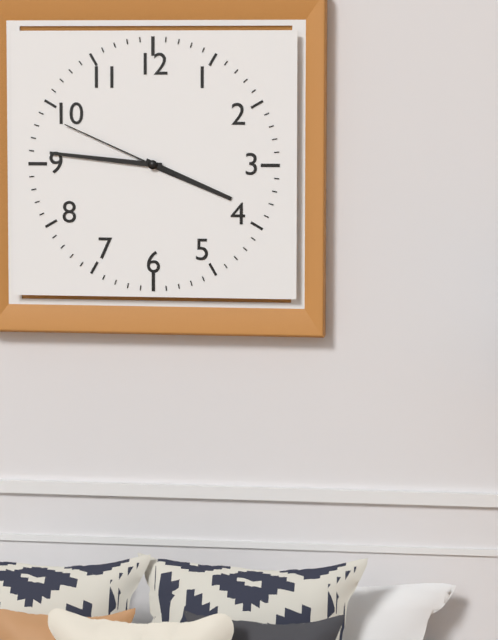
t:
3,46,49
